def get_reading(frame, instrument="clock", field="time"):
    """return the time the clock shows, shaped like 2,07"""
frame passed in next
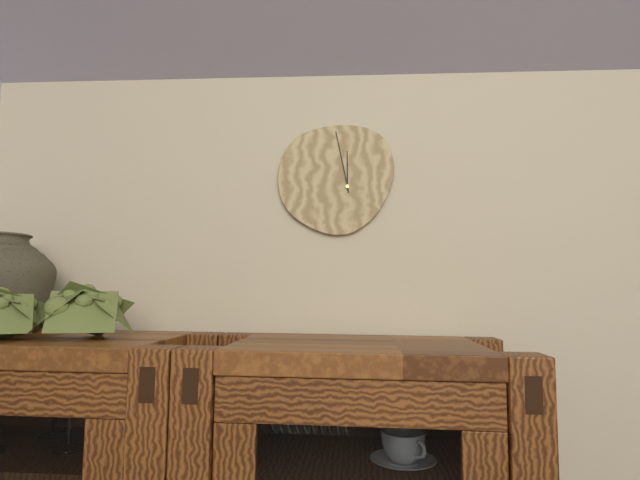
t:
11,58
